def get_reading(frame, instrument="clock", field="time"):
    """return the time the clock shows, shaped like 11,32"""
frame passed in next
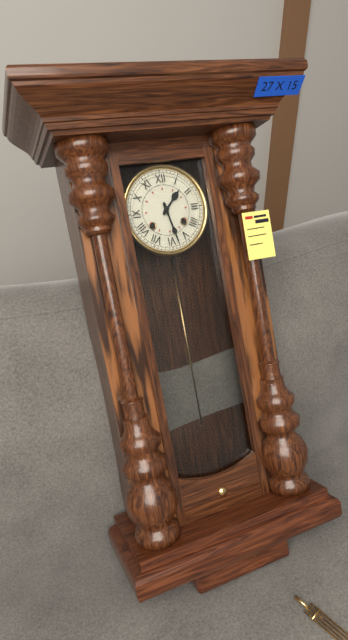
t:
1,28
